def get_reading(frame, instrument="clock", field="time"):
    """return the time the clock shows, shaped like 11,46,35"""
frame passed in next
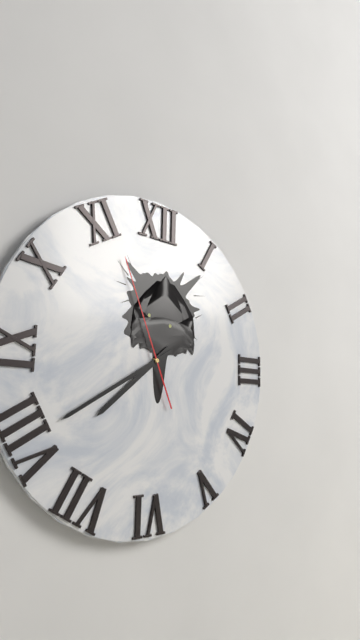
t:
7,40,56
